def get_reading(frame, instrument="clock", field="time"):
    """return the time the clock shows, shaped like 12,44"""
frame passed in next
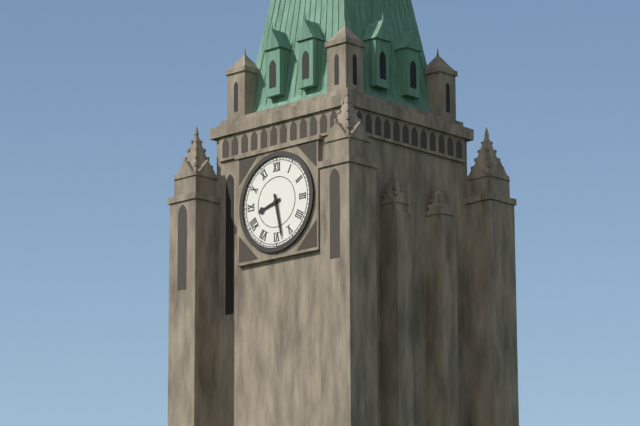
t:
8,28
